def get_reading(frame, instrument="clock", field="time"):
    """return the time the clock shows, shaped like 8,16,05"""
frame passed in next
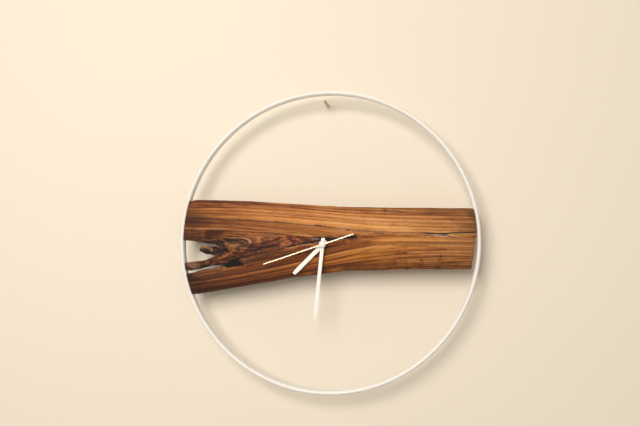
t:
7,31,42
